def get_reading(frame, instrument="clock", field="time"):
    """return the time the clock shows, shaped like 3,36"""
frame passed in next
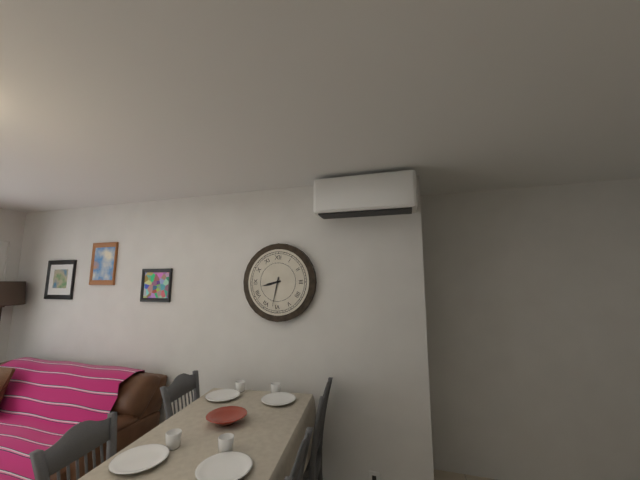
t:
8,32
